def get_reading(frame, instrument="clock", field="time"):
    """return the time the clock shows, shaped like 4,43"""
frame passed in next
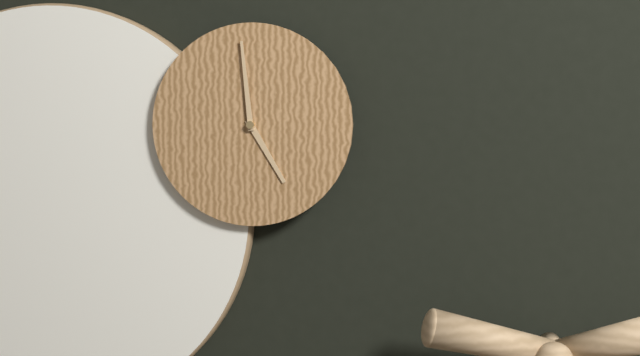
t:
4,59
